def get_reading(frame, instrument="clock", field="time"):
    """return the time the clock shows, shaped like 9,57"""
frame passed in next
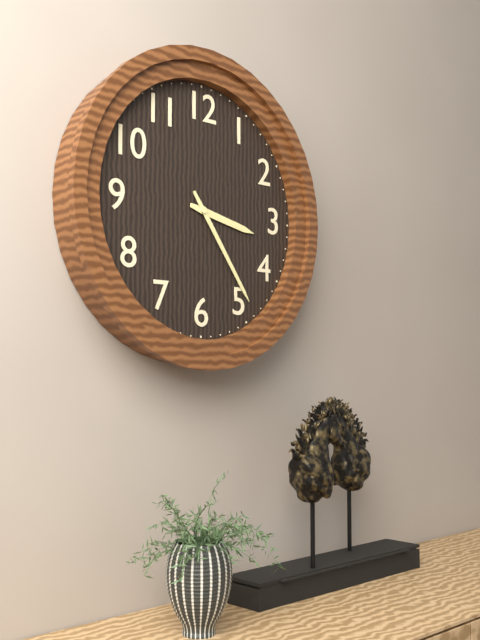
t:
3,24
